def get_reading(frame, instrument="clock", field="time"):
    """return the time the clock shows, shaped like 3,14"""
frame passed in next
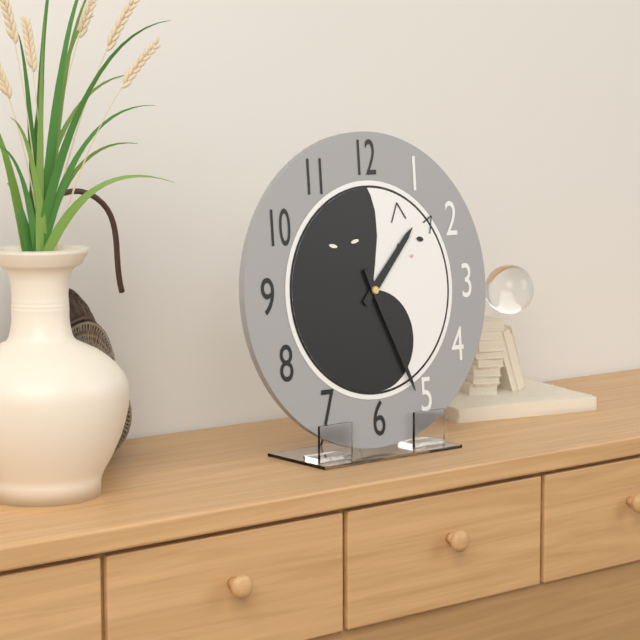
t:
1,26
